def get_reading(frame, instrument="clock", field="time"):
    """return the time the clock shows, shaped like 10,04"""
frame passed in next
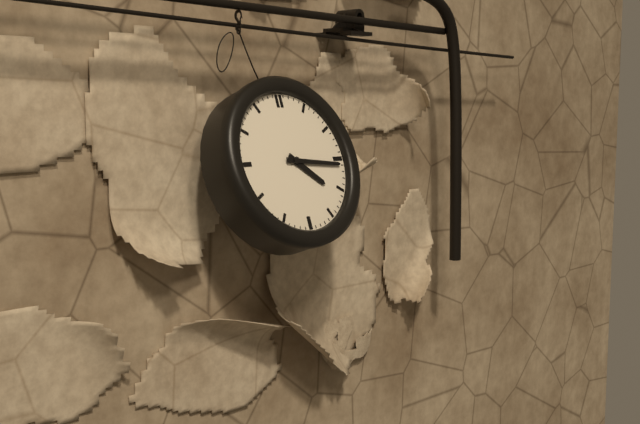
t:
4,16
